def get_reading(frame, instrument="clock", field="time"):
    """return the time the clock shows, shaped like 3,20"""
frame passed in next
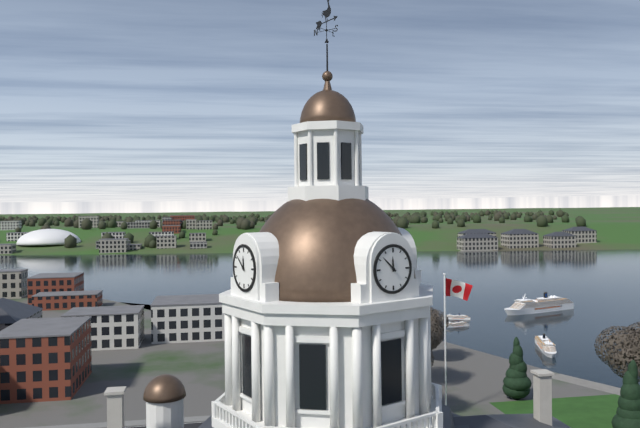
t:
11,52
